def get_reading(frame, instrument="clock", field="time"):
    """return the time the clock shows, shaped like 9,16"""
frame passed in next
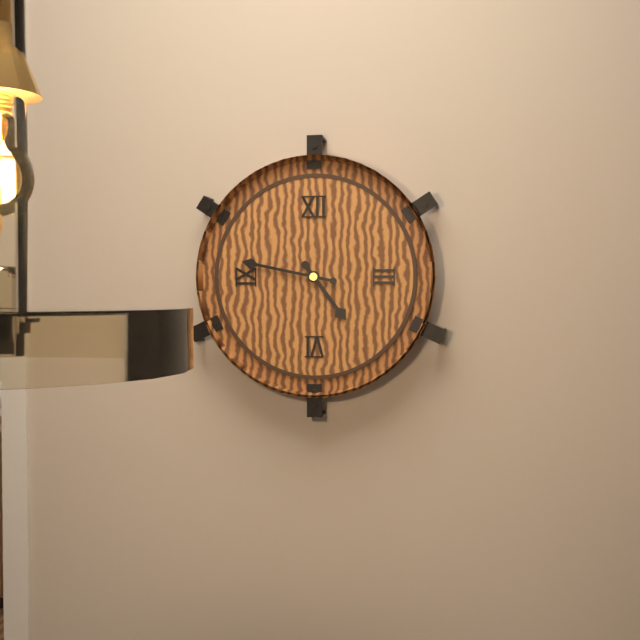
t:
4,47
